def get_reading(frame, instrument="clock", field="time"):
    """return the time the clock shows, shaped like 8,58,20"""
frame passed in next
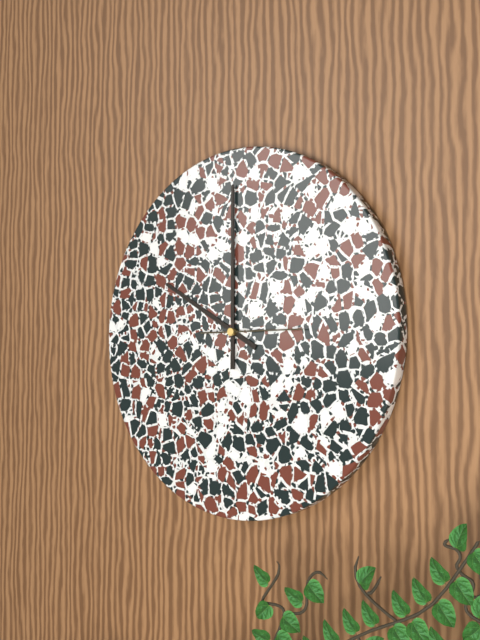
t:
10,00,15
